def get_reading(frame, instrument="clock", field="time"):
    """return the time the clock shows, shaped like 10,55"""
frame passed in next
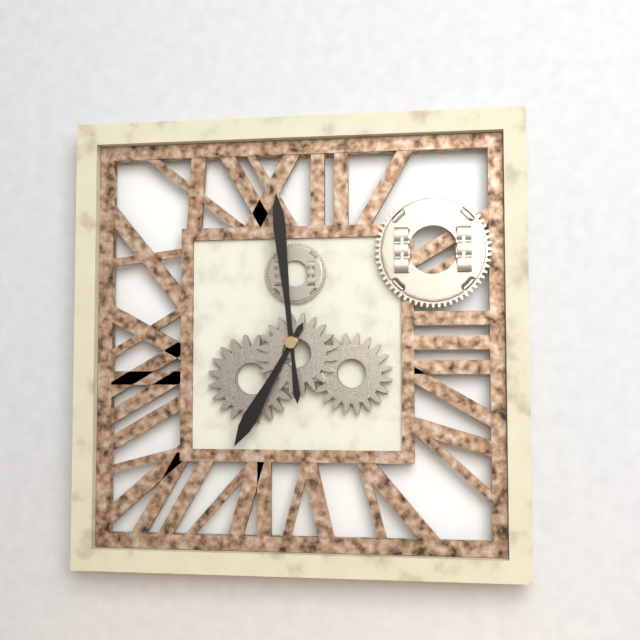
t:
6,59
